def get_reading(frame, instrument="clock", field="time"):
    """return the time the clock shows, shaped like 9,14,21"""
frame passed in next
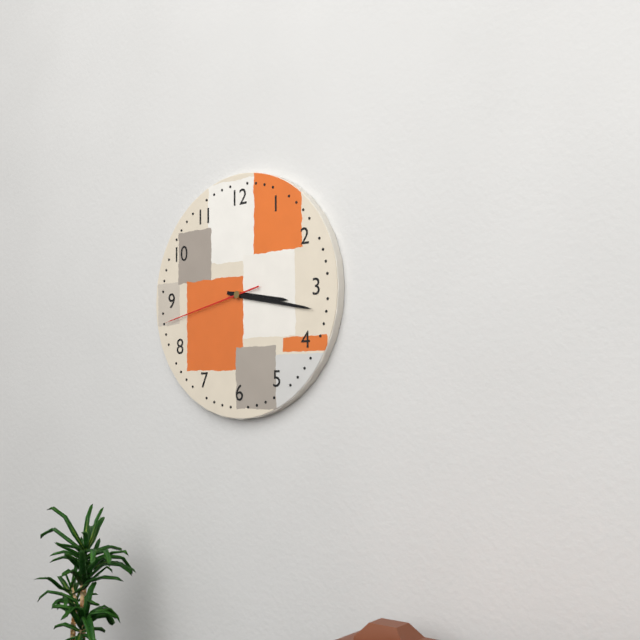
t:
3,17,43
